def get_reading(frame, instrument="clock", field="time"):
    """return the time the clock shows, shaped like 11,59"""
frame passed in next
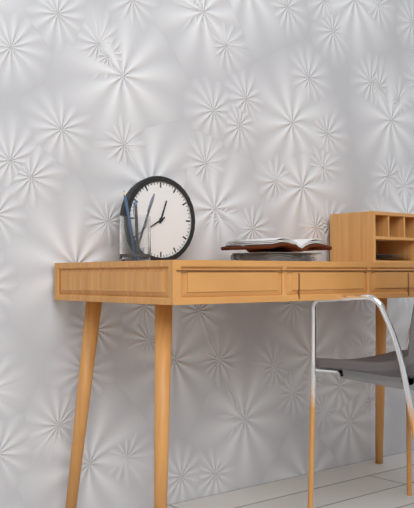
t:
12,40
